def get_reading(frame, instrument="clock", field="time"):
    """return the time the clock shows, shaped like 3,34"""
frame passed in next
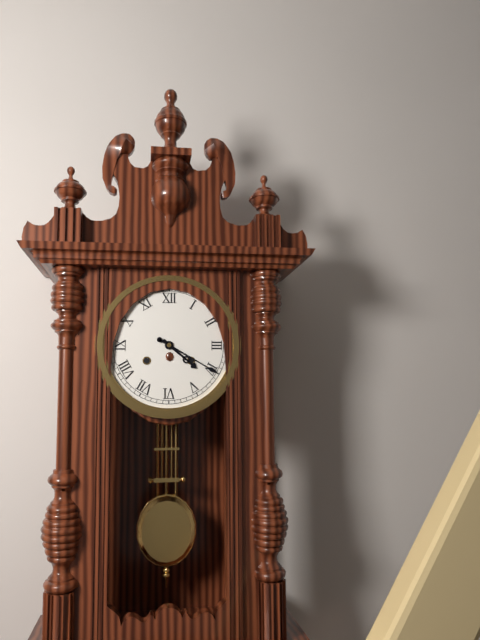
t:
4,20
